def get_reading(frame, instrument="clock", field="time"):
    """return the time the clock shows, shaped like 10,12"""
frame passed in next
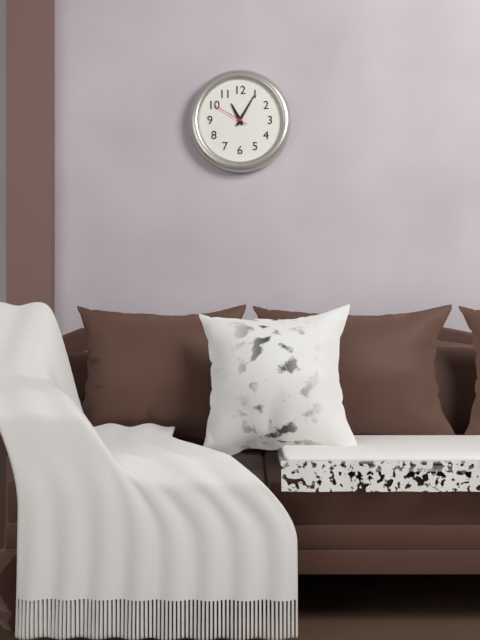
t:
11,05
